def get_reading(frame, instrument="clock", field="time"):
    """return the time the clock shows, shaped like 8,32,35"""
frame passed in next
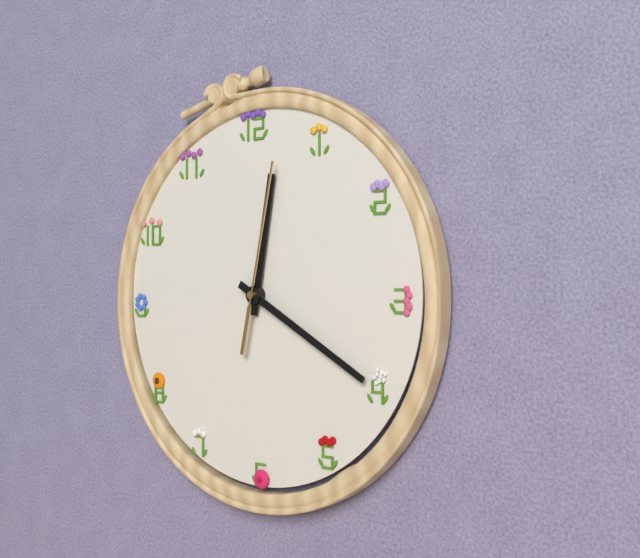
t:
12,20,02
